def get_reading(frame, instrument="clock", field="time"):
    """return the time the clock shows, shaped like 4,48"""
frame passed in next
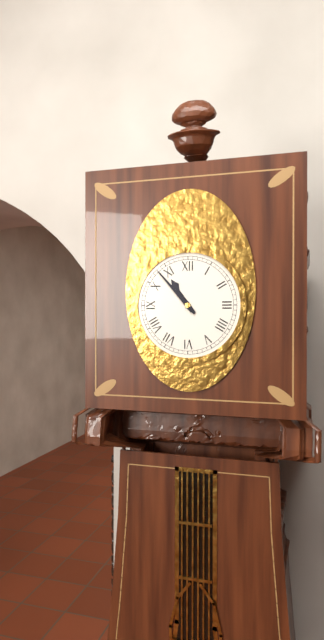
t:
10,53
